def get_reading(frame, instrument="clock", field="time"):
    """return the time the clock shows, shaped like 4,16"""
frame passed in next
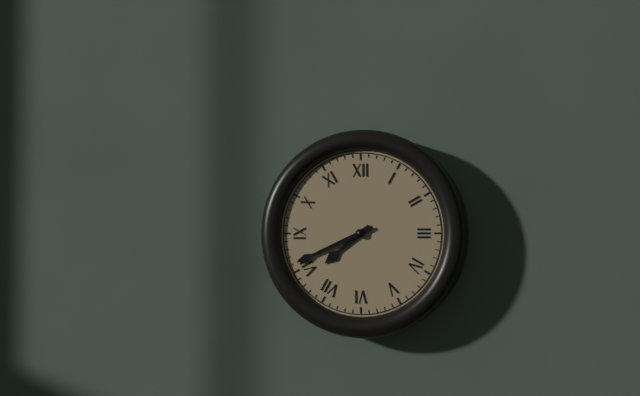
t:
7,41
